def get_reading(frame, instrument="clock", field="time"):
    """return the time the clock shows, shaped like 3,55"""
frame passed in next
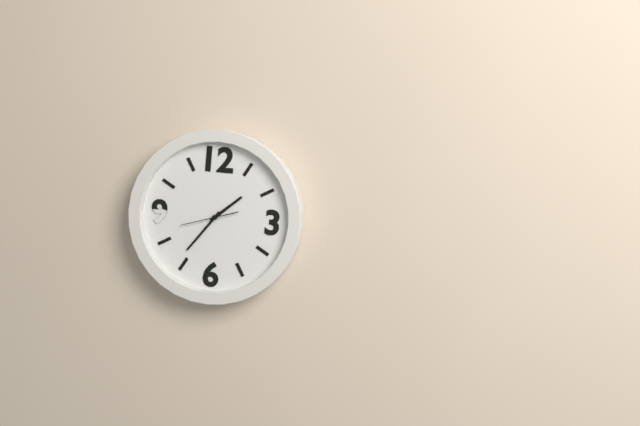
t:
1,36
